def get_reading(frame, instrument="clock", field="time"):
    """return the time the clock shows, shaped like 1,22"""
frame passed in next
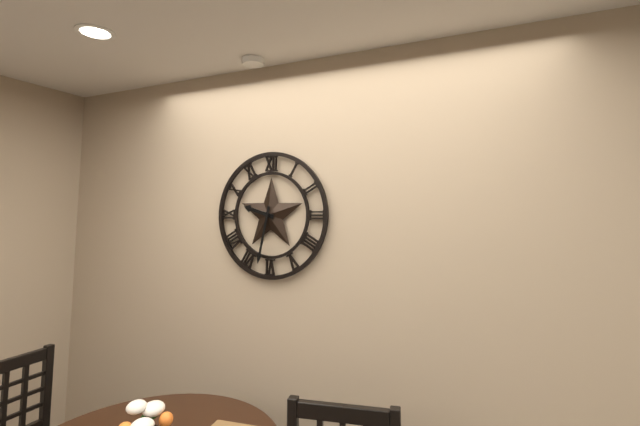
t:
9,32
